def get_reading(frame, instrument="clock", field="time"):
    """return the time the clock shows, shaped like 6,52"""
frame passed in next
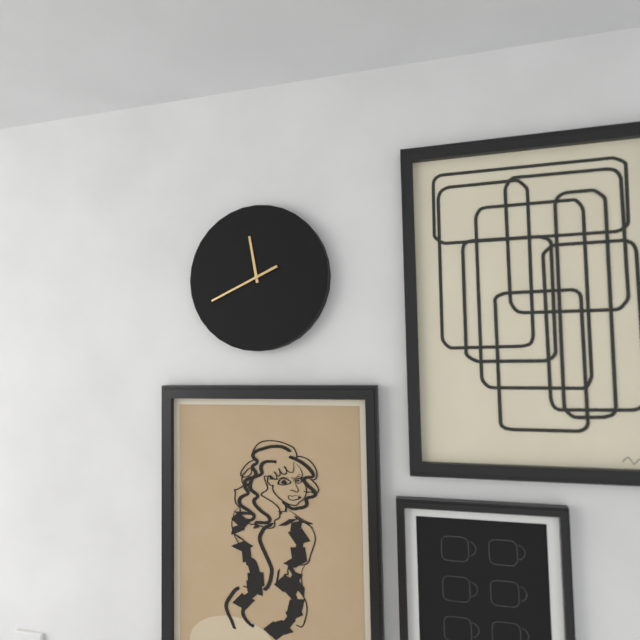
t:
11,41
